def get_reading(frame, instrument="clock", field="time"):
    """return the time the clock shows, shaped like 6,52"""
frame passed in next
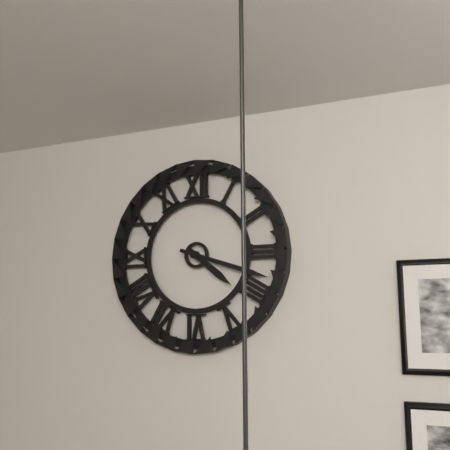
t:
4,18
